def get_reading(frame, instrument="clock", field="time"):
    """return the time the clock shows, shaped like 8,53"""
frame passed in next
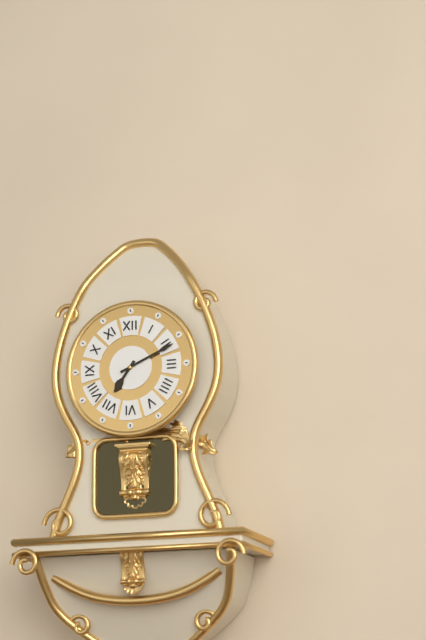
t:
7,11
